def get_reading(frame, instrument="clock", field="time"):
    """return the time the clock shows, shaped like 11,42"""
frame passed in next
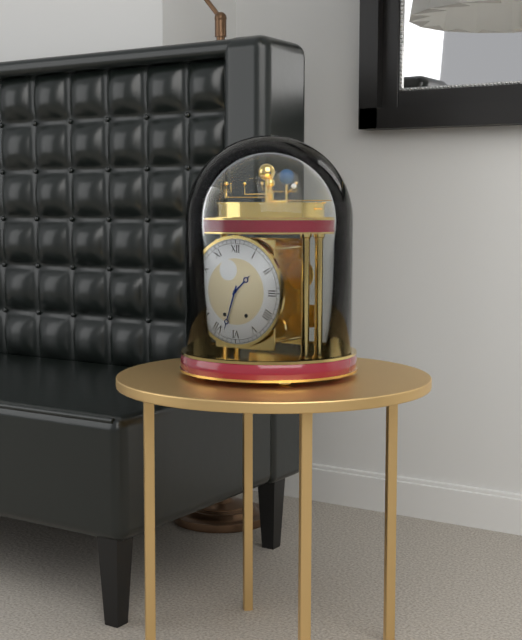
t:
1,33
